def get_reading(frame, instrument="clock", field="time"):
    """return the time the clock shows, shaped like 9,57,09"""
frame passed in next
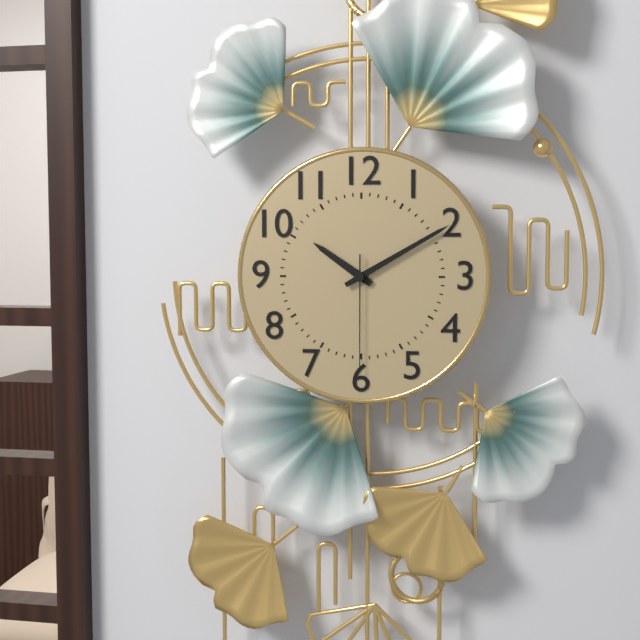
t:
10,10,30
